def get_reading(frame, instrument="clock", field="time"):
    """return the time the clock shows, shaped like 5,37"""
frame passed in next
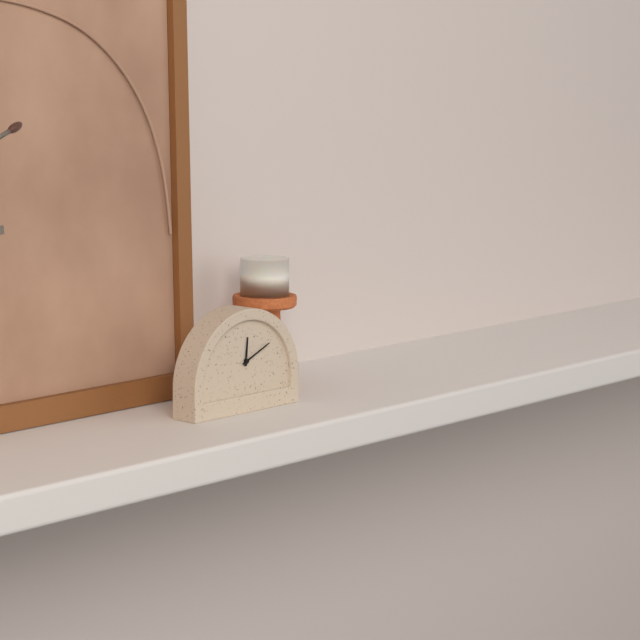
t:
12,11
